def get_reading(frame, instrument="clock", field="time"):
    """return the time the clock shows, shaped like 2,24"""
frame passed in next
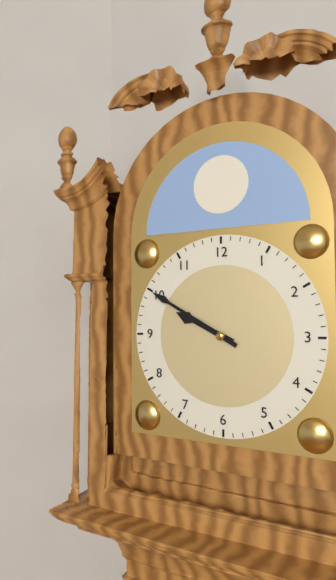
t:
9,50
